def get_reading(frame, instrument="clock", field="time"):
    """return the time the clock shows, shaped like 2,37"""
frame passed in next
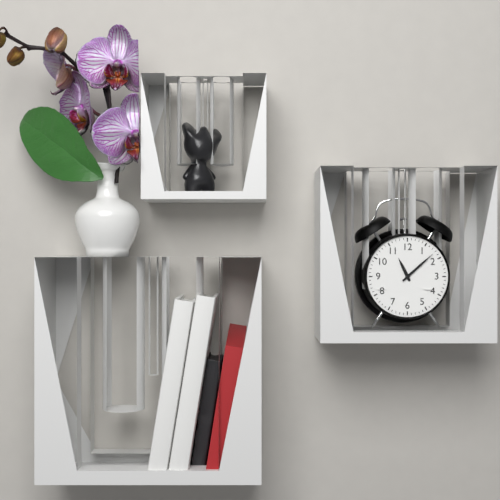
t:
11,08
